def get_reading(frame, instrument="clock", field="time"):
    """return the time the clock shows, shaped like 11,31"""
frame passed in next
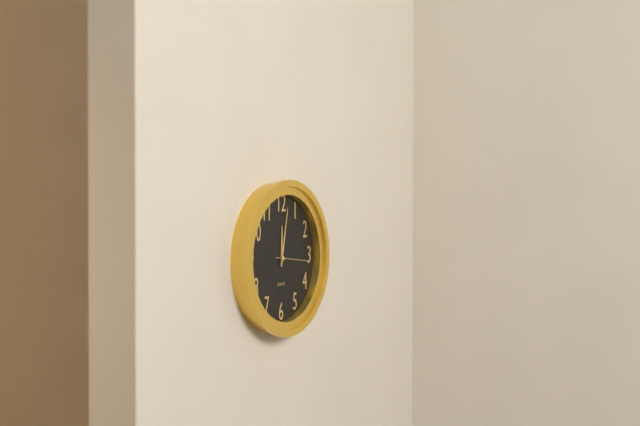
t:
12,02
